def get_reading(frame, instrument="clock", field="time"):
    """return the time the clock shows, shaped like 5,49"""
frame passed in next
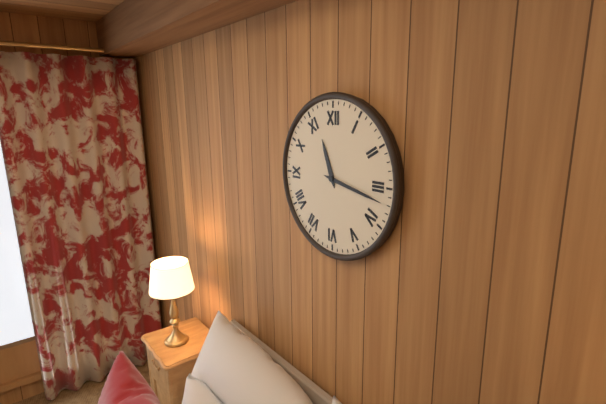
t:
11,17
